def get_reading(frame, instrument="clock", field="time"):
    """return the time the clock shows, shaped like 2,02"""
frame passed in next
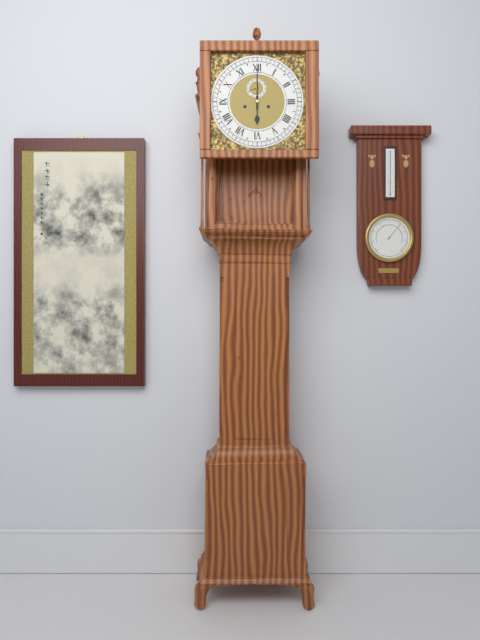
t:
6,00
